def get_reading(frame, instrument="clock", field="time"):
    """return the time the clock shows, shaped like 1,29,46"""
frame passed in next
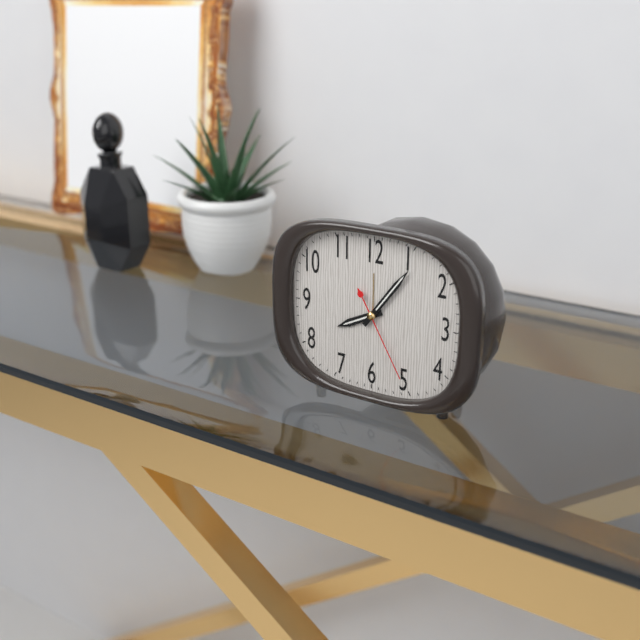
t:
8,06,25
